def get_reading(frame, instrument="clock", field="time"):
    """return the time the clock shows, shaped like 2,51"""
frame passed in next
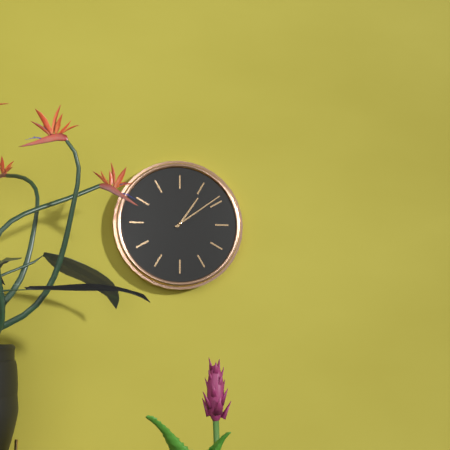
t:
1,09
